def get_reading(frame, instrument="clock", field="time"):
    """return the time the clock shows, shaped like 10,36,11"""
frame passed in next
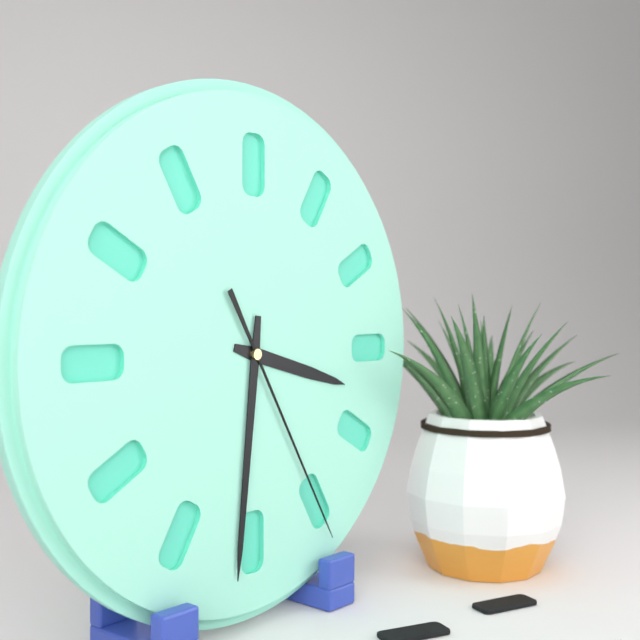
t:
3,31,25
